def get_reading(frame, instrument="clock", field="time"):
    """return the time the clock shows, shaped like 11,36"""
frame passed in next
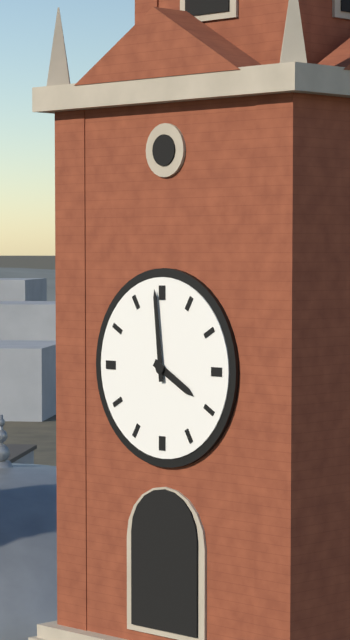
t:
3,59
